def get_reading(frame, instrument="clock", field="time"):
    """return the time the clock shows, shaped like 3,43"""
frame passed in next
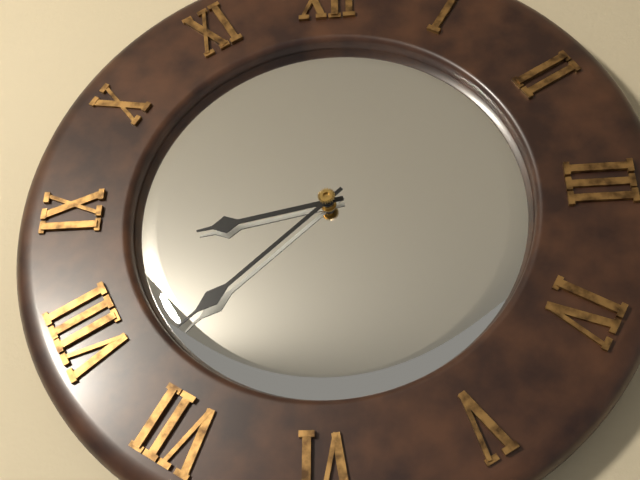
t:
8,38
